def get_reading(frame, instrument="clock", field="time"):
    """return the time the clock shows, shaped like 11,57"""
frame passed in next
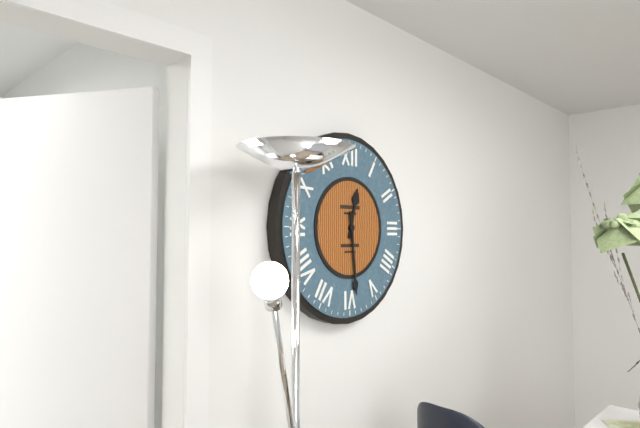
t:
12,29
